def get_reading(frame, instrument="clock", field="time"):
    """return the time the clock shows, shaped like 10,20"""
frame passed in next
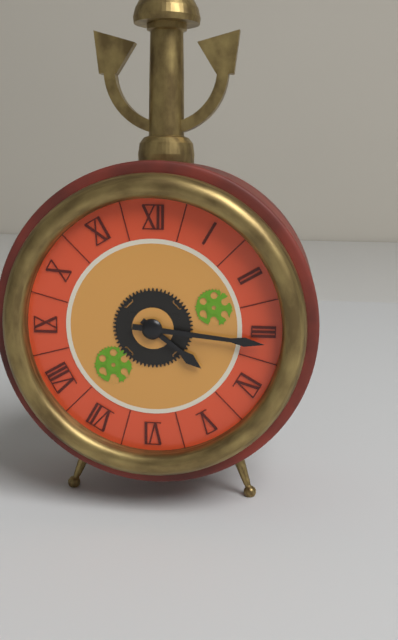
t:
4,16
